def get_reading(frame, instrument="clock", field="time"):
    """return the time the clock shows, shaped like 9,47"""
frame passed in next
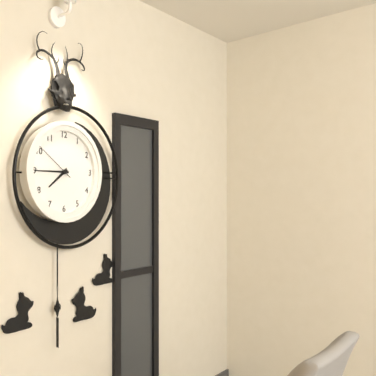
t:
7,45
